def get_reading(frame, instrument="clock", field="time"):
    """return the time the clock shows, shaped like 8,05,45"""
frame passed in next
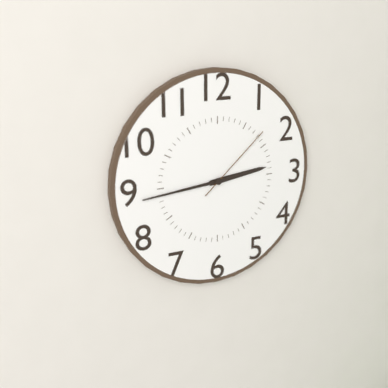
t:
2,44,08
